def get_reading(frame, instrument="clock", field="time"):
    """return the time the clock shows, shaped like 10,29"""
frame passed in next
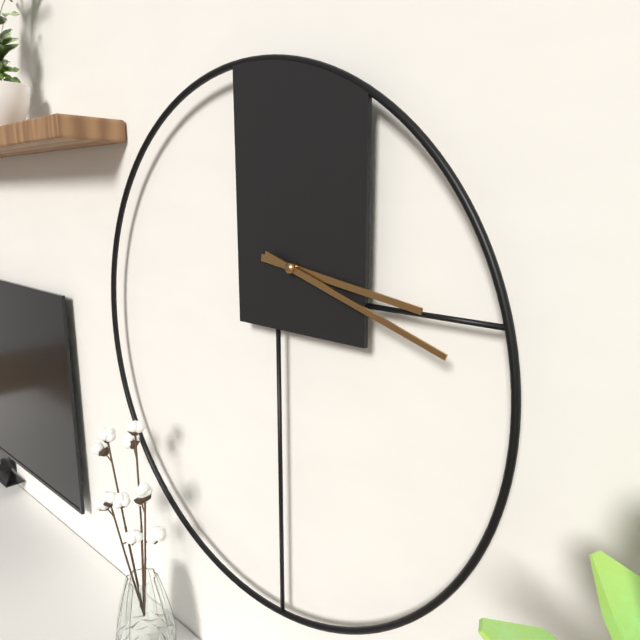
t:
3,18
